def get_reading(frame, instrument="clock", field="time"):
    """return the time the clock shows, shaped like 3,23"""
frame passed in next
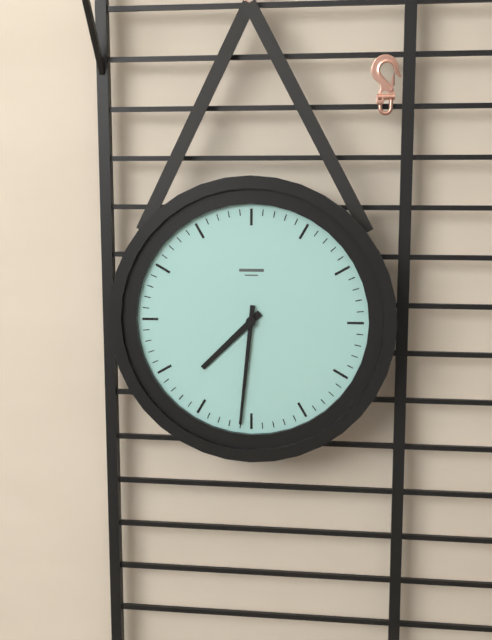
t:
7,31
